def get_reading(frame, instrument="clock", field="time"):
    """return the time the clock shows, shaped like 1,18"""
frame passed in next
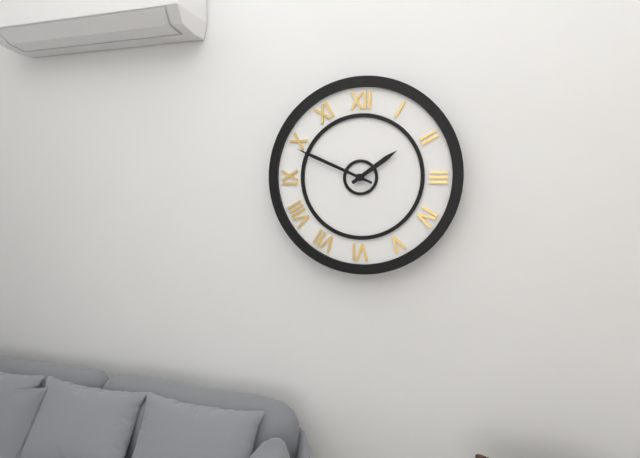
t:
1,49
